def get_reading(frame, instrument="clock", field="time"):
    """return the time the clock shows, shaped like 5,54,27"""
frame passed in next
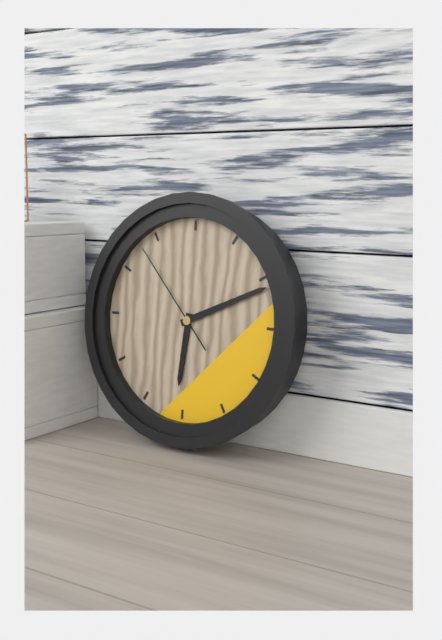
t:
6,11,53
